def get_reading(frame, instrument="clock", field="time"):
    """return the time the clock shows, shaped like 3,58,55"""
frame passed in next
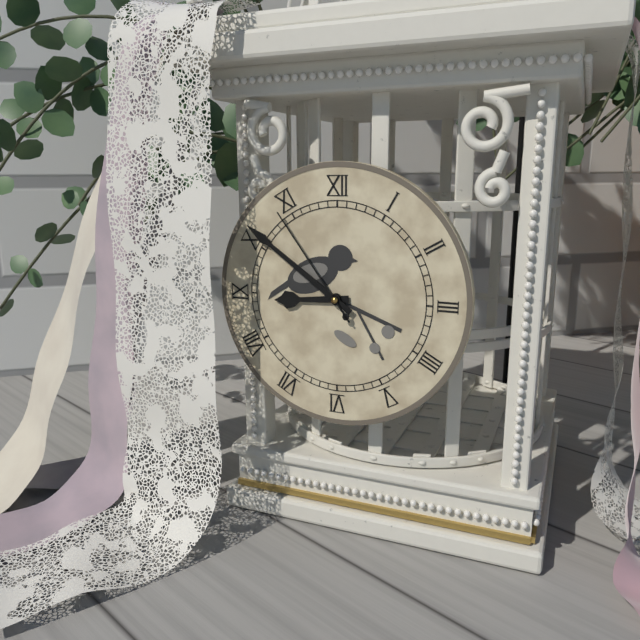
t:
8,51,54
